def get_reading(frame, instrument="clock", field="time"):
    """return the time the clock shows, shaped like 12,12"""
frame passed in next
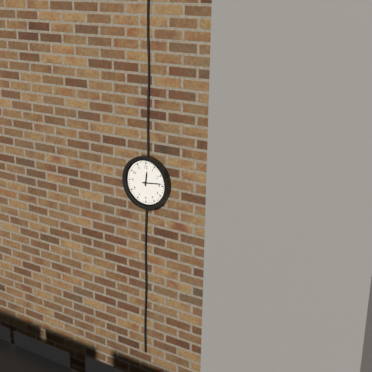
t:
12,14
